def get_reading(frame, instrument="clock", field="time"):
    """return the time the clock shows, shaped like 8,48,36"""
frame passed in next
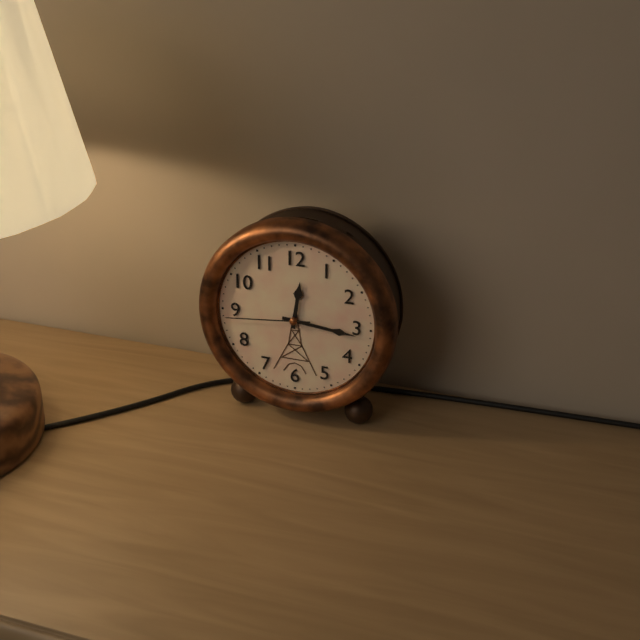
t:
12,16,44
